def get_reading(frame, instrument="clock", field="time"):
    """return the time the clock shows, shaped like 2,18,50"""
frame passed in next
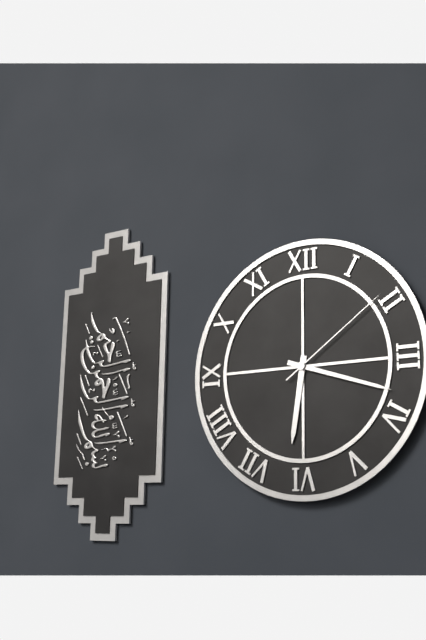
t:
6,18,09
